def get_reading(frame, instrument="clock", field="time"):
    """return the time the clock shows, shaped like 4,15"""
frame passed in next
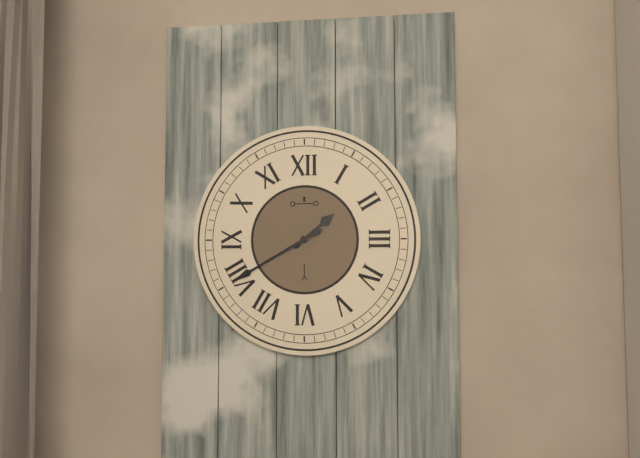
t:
1,40
